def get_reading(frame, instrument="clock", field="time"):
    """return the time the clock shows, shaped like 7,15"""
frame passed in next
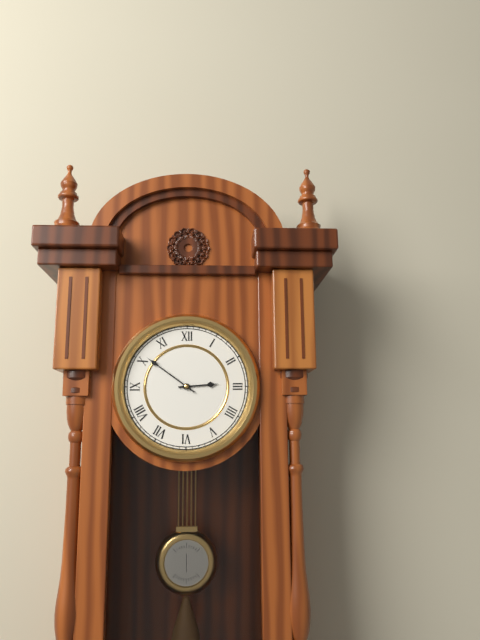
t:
2,51
